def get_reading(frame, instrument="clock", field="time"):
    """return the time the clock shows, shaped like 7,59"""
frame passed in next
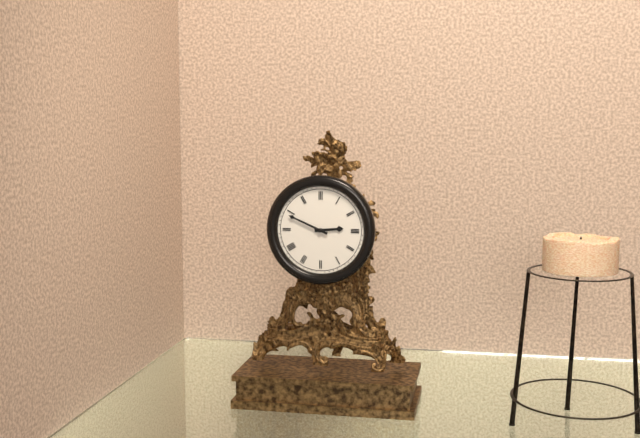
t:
2,49
